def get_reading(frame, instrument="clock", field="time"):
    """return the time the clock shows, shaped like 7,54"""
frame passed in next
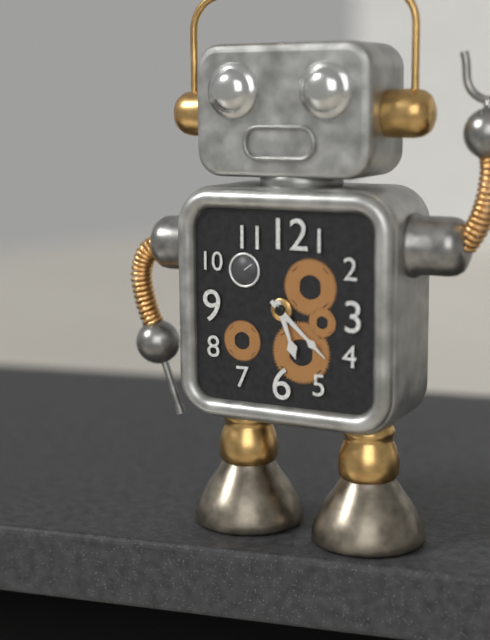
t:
5,22
